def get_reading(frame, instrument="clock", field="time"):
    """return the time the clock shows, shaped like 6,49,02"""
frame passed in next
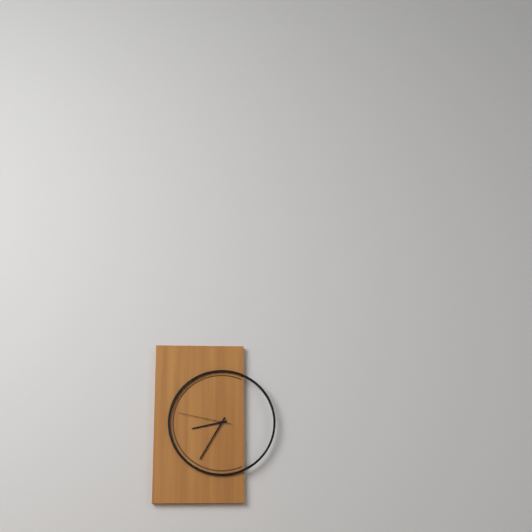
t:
8,35,47
